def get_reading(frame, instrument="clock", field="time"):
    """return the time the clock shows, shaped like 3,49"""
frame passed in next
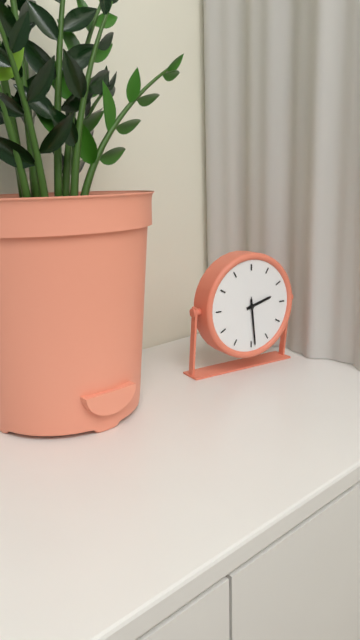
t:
2,29
